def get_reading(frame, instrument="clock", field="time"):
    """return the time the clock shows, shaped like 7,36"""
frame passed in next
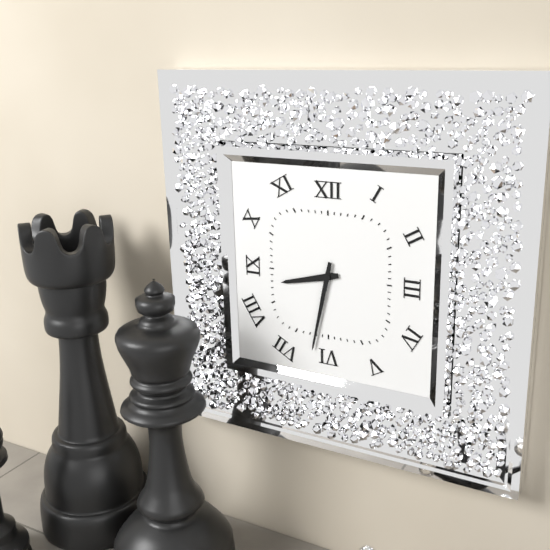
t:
8,32
